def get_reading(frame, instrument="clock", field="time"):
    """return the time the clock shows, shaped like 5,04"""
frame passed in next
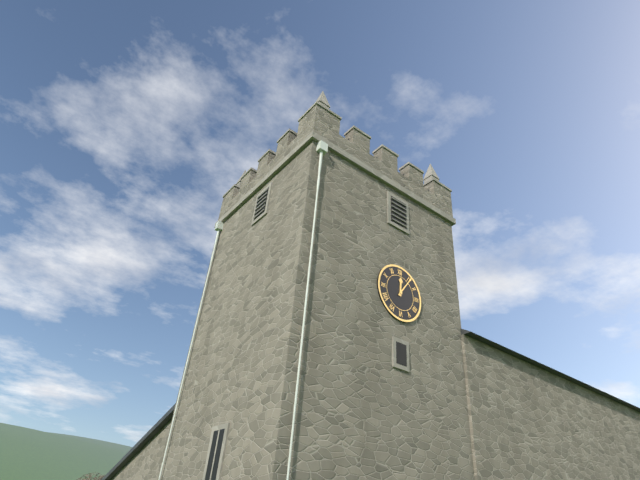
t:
12,06
